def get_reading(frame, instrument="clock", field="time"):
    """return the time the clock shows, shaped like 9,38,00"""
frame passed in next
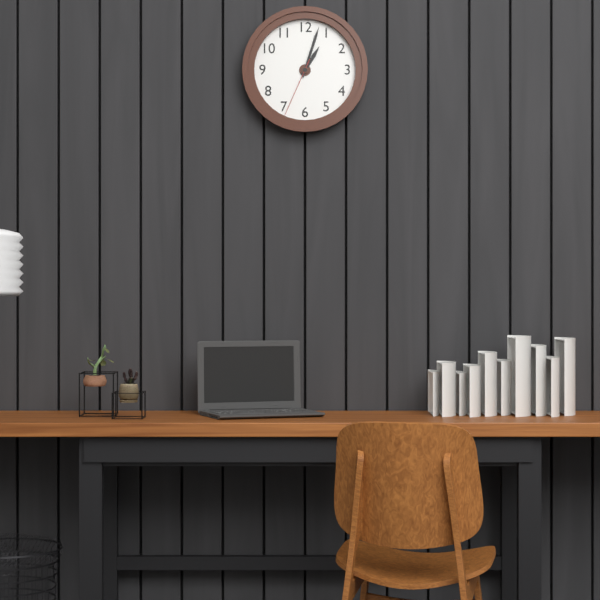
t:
1,03,34
